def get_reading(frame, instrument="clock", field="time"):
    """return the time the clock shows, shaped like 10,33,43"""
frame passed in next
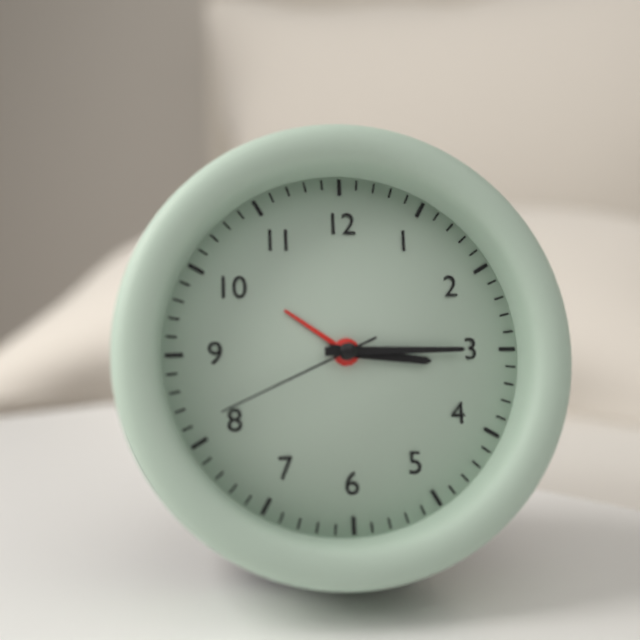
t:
3,15,41
